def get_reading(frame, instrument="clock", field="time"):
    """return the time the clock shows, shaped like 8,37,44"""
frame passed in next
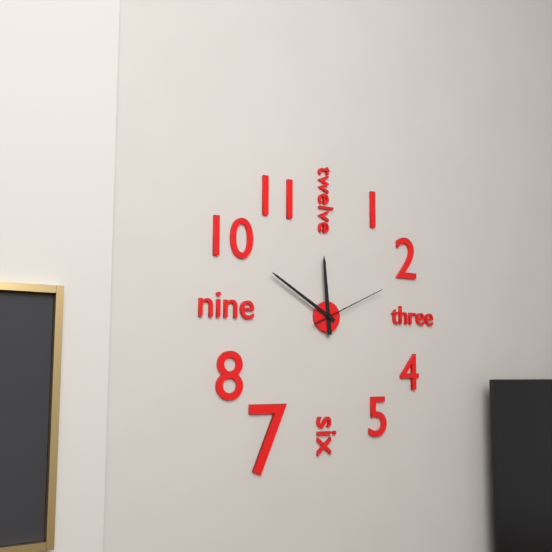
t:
11,50,11
